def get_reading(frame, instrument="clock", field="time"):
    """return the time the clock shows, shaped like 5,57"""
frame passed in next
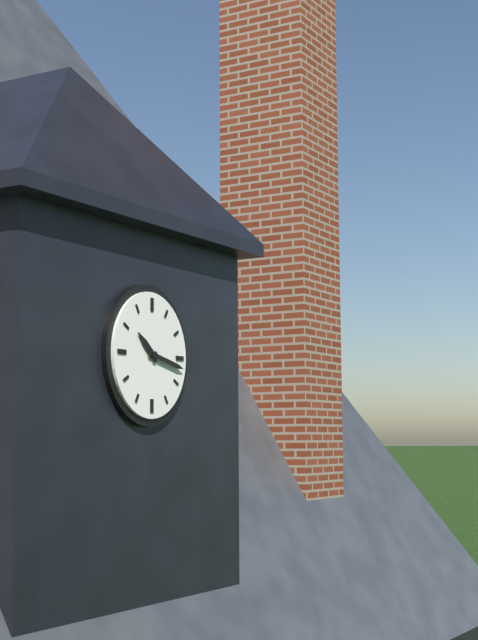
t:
10,17
